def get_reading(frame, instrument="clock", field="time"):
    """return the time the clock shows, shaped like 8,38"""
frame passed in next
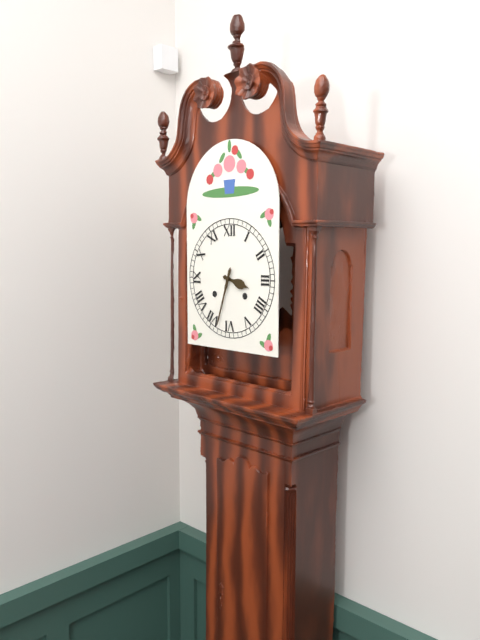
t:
3,33
